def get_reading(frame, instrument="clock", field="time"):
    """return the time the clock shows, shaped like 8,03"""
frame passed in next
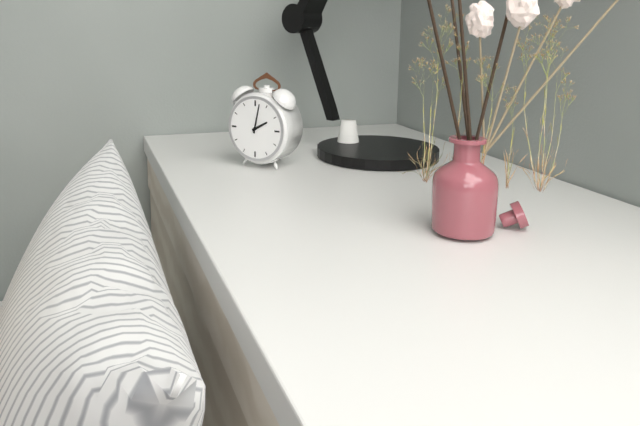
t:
2,02
